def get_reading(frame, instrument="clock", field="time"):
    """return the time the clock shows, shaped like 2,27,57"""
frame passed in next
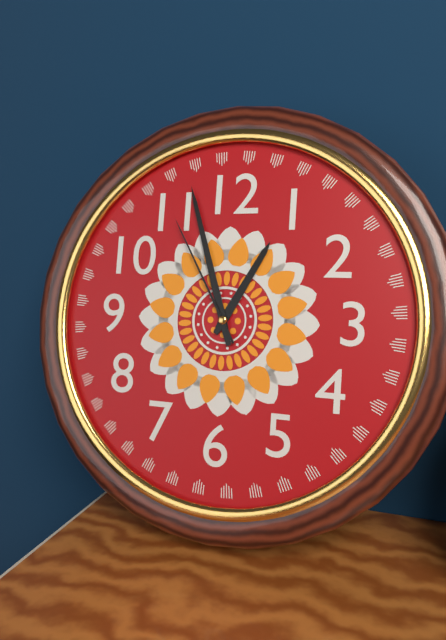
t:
12,57,55
